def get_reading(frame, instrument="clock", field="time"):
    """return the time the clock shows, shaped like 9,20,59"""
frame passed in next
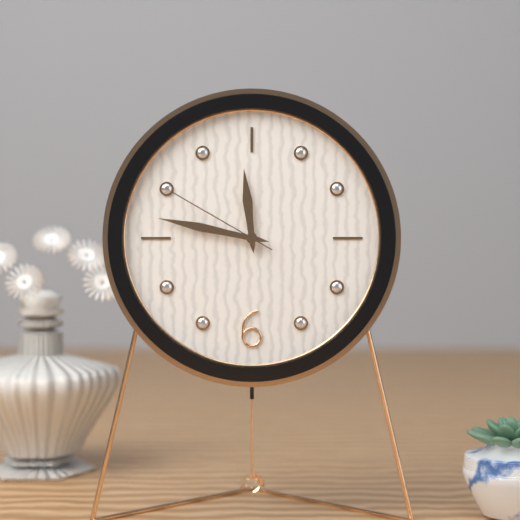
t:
11,47,50
